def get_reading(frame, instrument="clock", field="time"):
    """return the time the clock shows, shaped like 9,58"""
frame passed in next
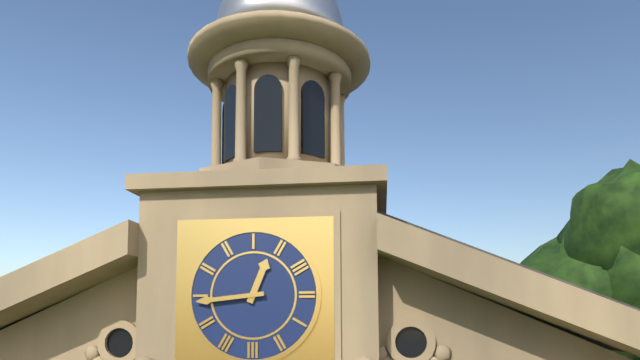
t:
12,44
